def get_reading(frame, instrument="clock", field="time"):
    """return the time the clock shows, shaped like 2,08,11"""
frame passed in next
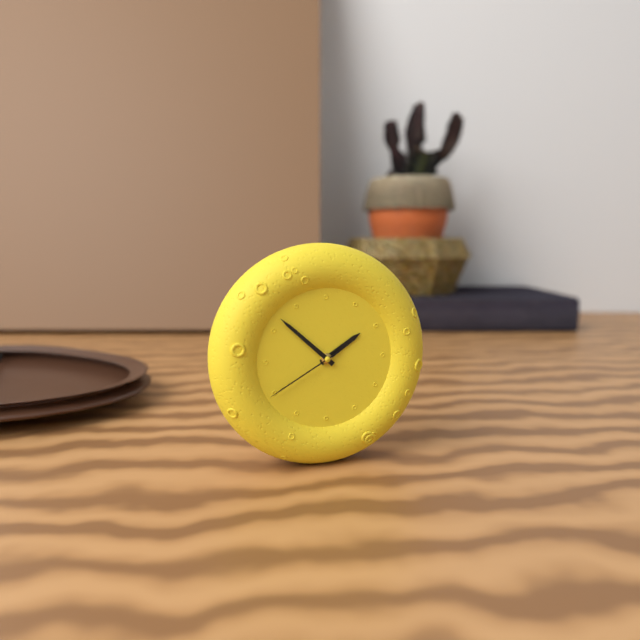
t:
1,52,40
